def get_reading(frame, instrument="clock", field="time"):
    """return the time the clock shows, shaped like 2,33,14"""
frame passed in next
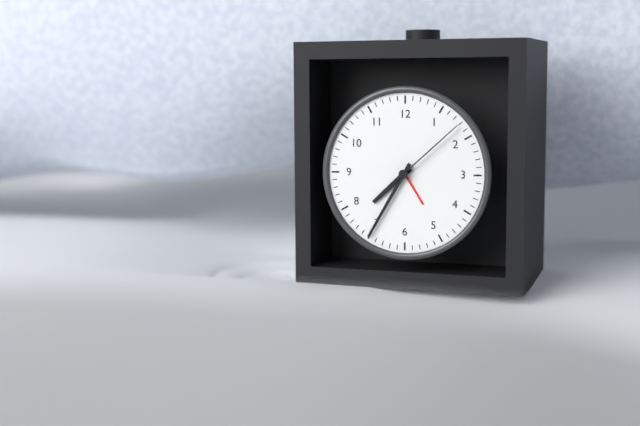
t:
7,35,08
